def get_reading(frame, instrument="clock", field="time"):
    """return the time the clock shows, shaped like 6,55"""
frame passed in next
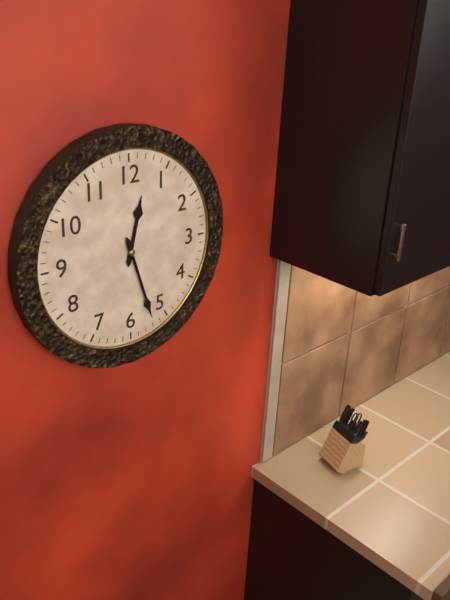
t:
12,27
